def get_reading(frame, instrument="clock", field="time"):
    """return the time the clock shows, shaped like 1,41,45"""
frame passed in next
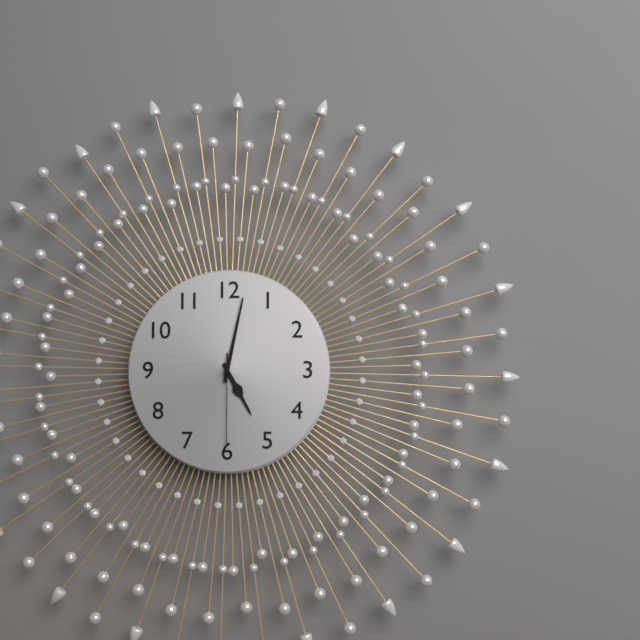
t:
5,02,30
